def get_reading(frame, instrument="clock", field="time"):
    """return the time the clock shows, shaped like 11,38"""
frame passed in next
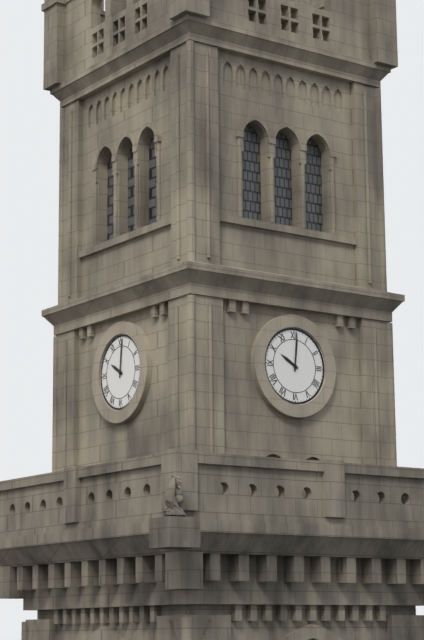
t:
10,01
